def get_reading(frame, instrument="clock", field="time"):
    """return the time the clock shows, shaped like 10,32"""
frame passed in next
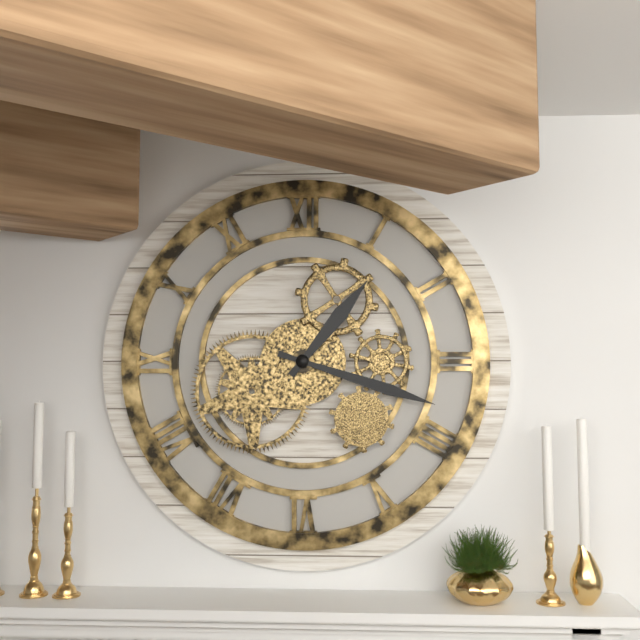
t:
1,18
